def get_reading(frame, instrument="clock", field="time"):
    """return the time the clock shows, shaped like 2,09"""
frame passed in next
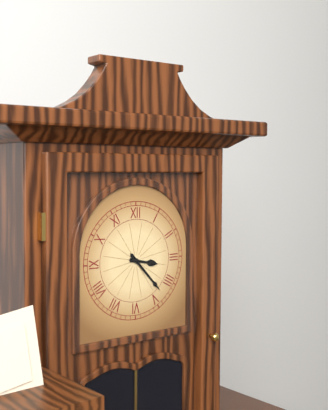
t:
3,23
